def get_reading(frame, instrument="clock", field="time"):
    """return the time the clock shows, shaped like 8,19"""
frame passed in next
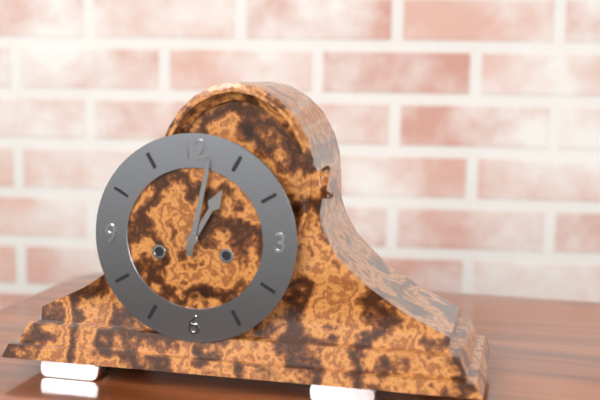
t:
1,02
